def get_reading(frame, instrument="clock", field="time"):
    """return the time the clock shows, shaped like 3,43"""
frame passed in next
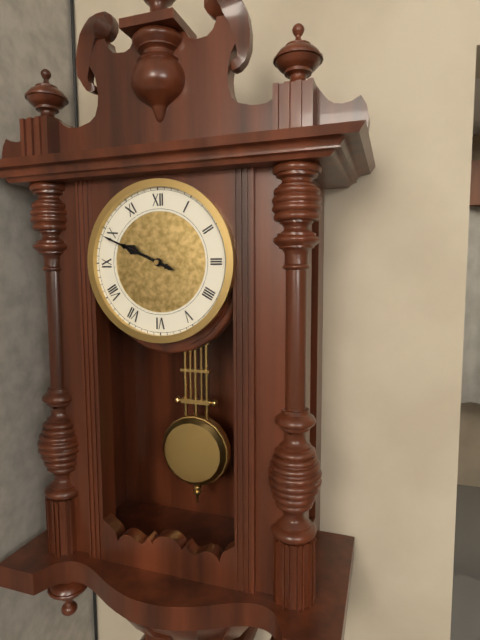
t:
9,49
